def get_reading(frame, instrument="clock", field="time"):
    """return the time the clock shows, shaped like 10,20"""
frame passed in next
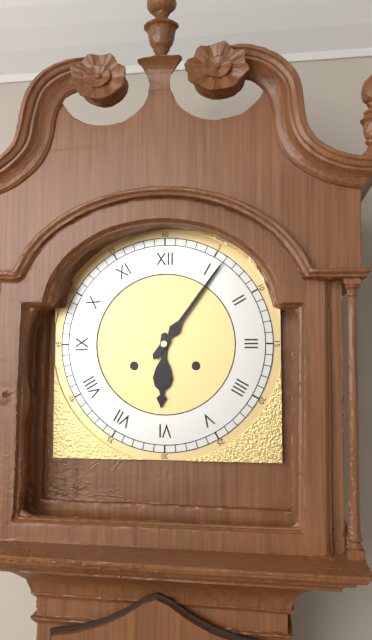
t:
6,06
